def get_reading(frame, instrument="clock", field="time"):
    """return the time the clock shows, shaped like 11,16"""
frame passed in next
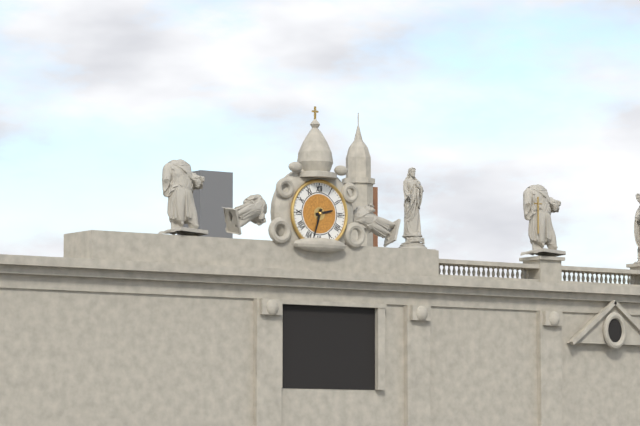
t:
2,33
